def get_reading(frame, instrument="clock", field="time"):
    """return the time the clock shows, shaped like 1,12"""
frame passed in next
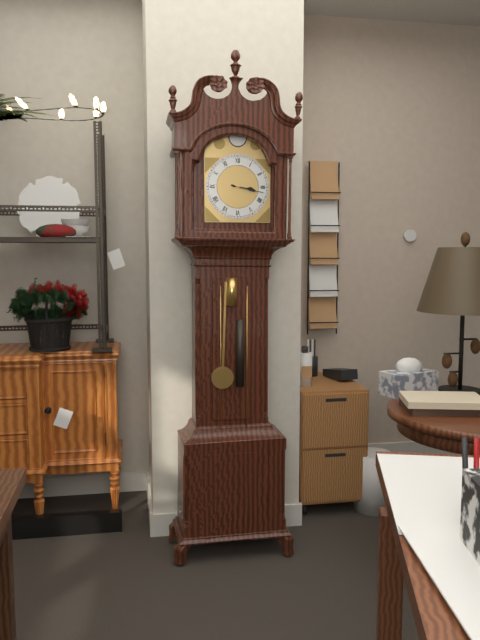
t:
3,17
